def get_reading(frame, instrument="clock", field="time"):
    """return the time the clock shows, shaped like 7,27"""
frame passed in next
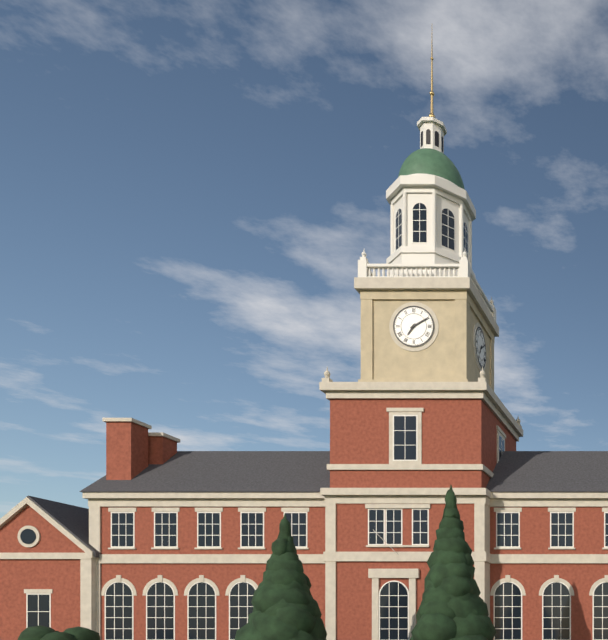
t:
7,10
